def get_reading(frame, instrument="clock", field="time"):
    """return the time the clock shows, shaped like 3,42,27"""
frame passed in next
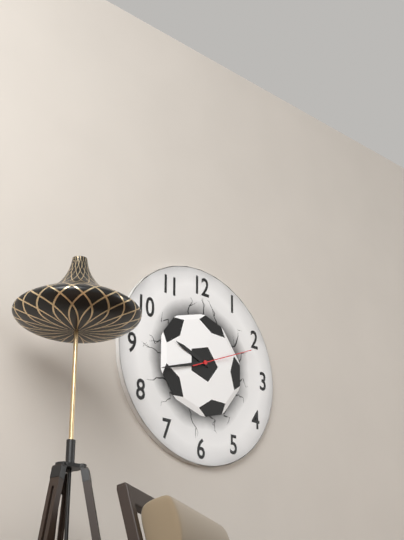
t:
9,42,11
